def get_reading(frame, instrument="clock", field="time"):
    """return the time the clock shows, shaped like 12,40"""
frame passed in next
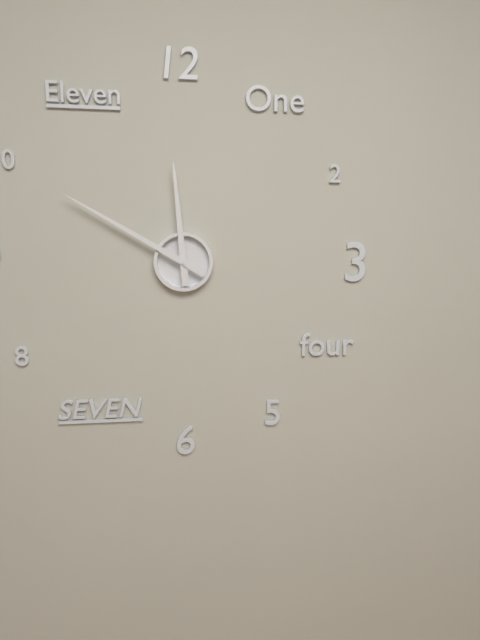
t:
11,50
